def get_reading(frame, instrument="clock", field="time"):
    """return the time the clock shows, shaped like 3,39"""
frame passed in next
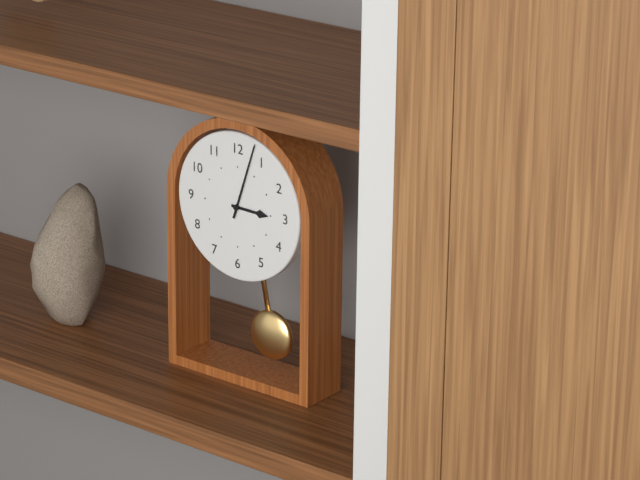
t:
3,03
